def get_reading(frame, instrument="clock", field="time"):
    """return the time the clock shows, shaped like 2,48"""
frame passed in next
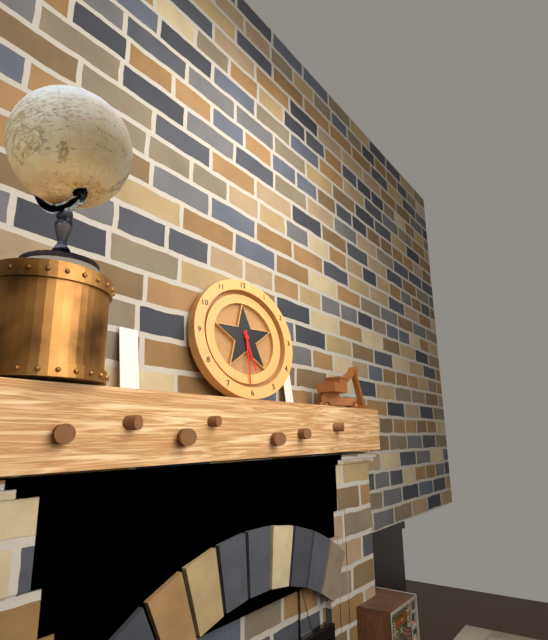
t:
5,30
